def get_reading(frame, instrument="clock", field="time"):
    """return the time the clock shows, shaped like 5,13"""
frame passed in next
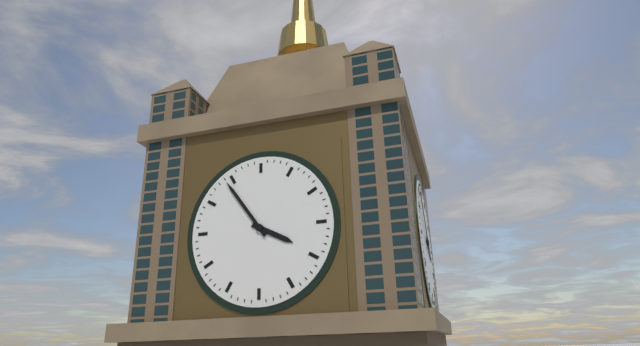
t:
3,54
